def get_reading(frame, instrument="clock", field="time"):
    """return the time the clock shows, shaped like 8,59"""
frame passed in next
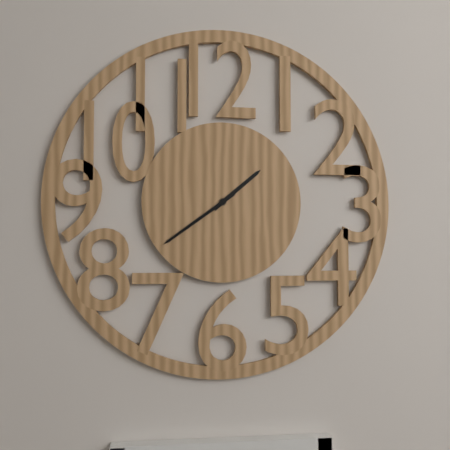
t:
1,39
